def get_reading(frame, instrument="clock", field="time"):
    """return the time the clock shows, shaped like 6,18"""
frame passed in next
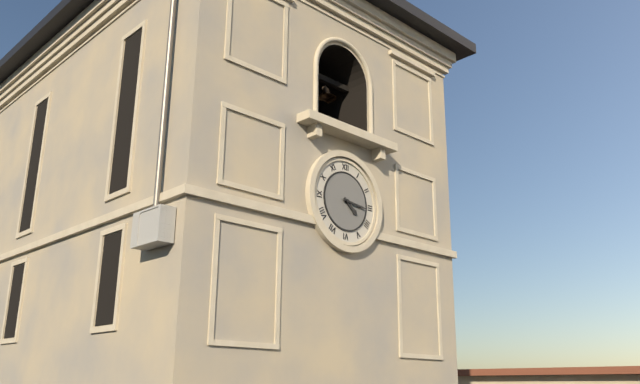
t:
4,16
